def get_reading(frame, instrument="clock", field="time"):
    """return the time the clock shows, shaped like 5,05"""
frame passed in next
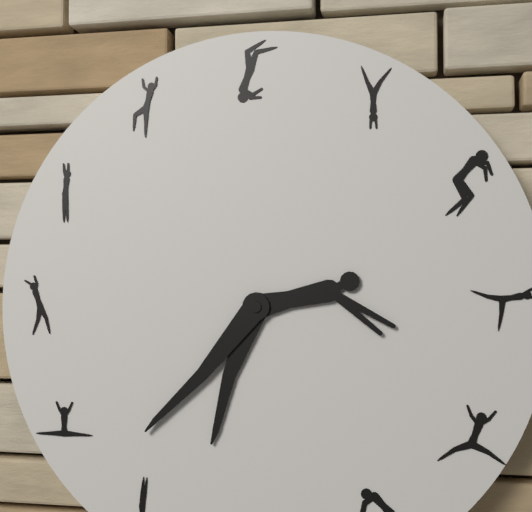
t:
6,37
